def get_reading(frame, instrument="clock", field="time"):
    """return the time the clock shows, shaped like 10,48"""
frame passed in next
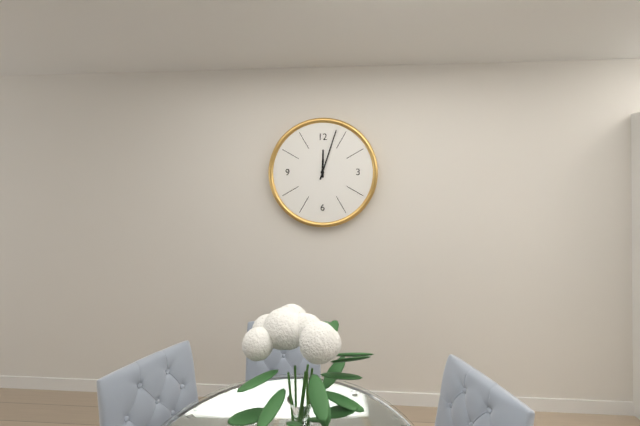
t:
12,03
